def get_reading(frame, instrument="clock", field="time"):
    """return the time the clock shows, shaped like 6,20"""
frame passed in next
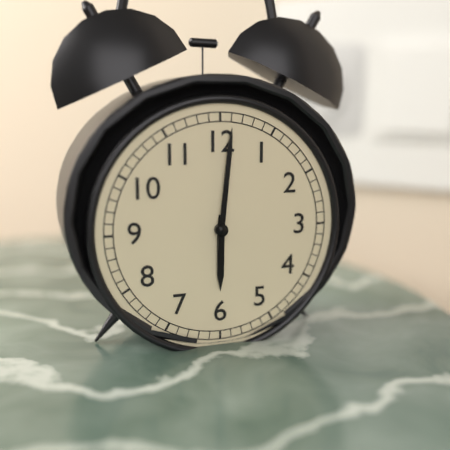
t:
6,01
